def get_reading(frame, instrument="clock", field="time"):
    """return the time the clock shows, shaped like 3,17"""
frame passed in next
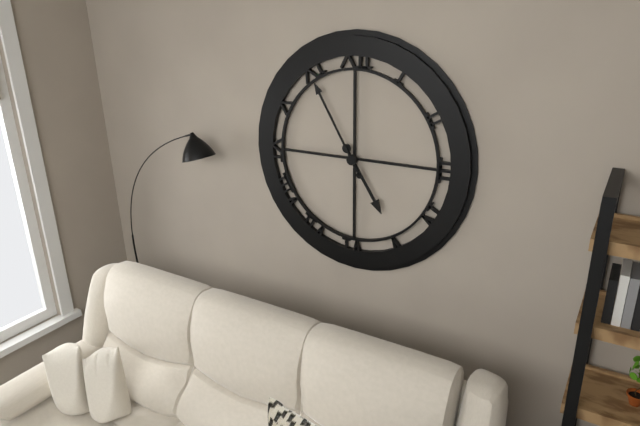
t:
4,55
